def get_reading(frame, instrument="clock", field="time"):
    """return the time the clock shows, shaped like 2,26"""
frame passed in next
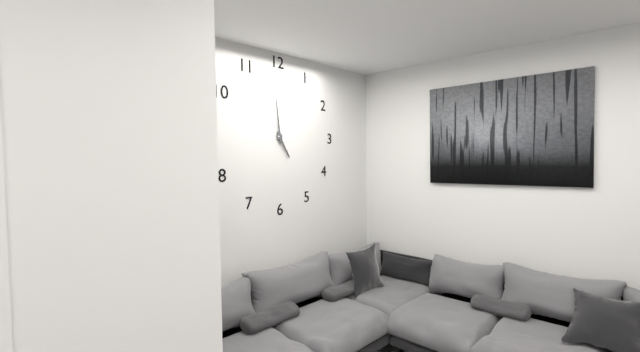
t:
4,59
